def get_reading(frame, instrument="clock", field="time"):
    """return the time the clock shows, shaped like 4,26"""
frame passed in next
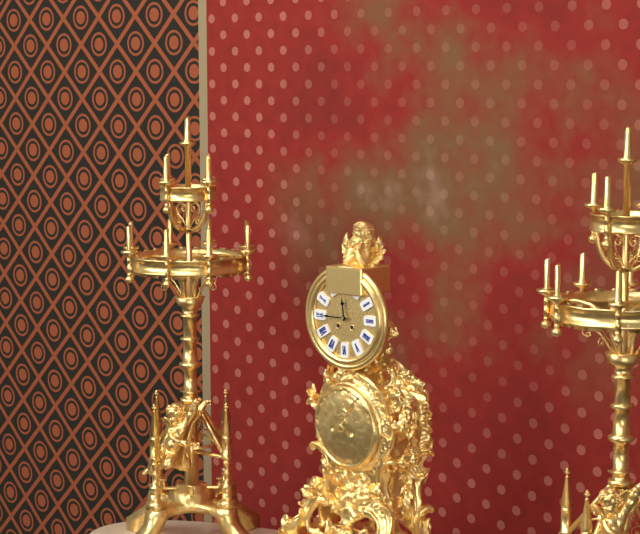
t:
11,45
